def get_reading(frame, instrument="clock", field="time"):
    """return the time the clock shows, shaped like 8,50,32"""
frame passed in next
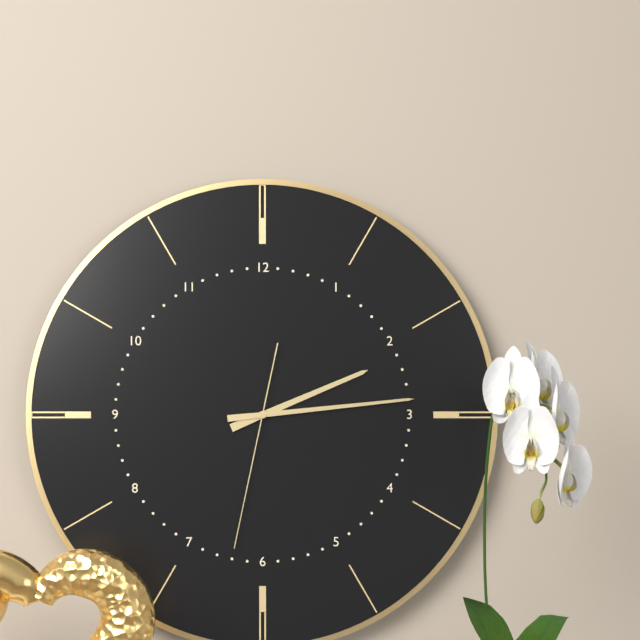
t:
2,14,32
